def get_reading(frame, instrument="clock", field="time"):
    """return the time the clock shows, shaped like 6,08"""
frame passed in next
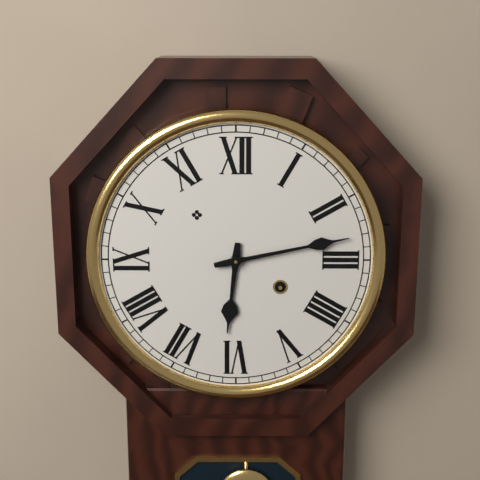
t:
6,13
